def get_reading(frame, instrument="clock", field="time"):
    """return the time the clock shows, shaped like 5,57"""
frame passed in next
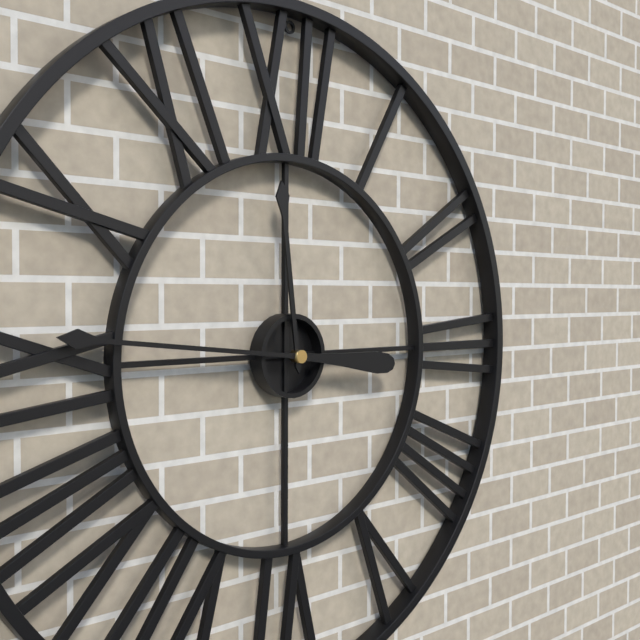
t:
11,46
